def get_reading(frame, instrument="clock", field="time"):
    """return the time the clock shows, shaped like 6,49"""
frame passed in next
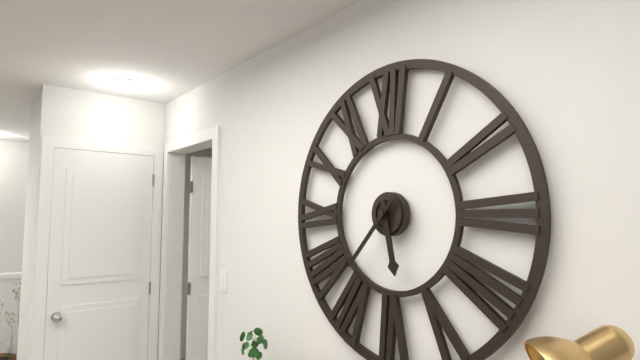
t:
5,37
